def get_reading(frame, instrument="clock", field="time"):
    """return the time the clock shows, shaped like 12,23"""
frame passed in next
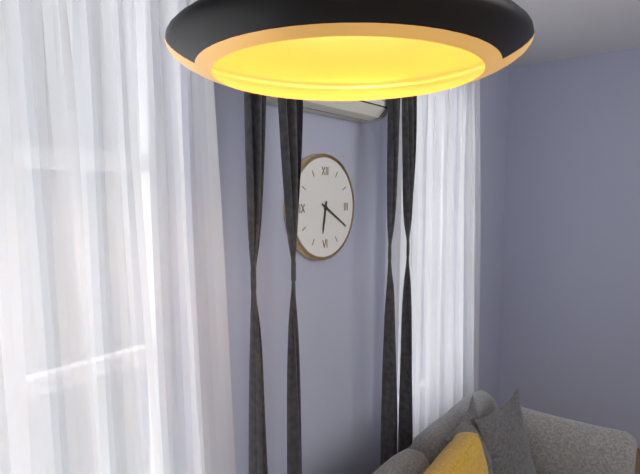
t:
6,20
